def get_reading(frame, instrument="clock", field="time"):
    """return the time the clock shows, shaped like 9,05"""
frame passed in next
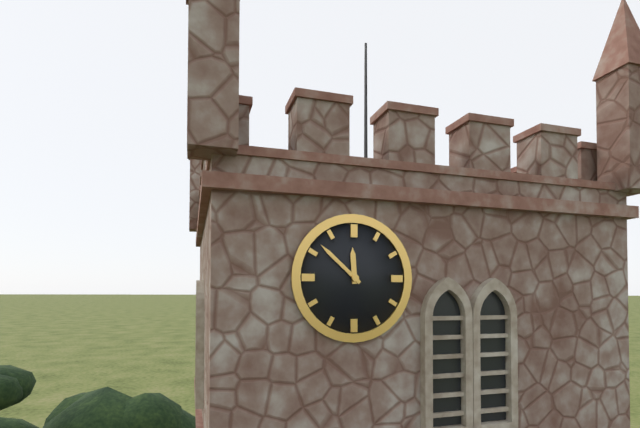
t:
11,52
